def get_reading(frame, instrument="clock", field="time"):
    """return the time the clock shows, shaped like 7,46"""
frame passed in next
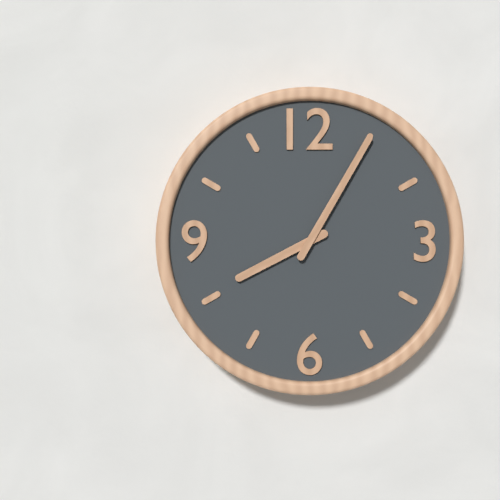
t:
8,05
